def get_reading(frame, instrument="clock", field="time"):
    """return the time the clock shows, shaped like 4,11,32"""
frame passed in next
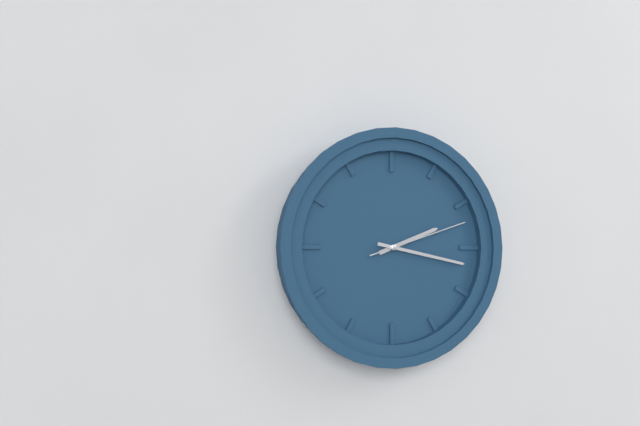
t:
2,17,12
